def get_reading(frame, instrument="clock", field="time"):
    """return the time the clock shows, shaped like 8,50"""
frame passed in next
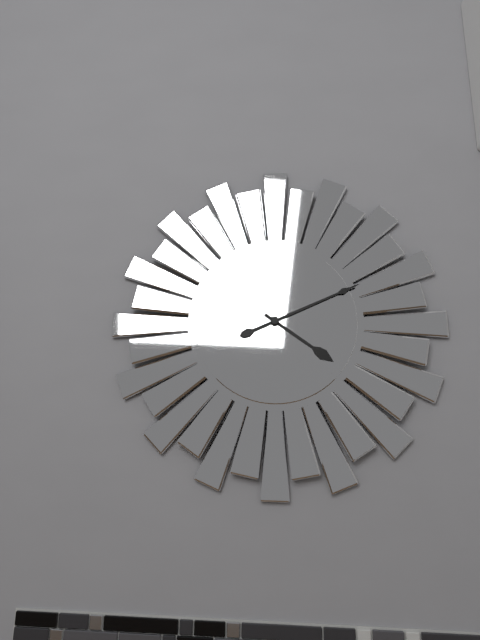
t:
4,11
